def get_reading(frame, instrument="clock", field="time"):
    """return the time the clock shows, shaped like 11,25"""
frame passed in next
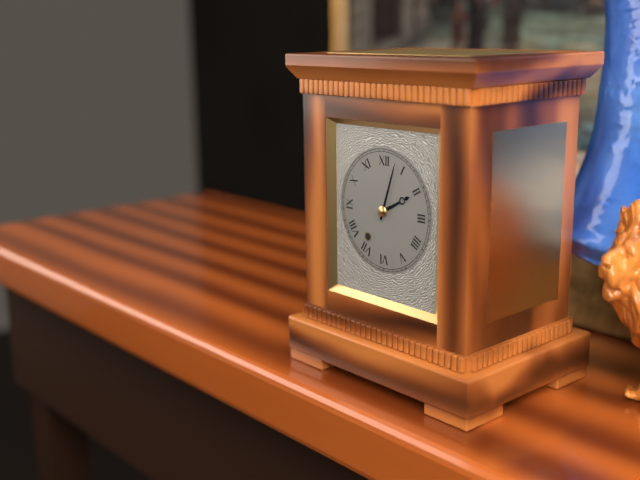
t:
2,03
